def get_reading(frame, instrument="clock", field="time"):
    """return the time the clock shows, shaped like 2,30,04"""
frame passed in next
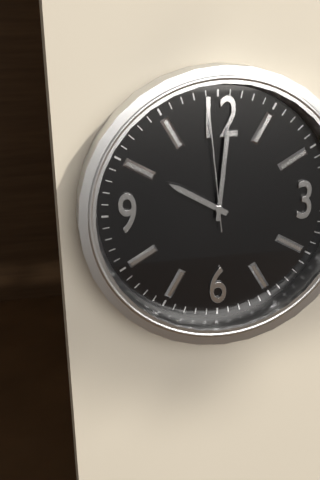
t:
10,01,59
